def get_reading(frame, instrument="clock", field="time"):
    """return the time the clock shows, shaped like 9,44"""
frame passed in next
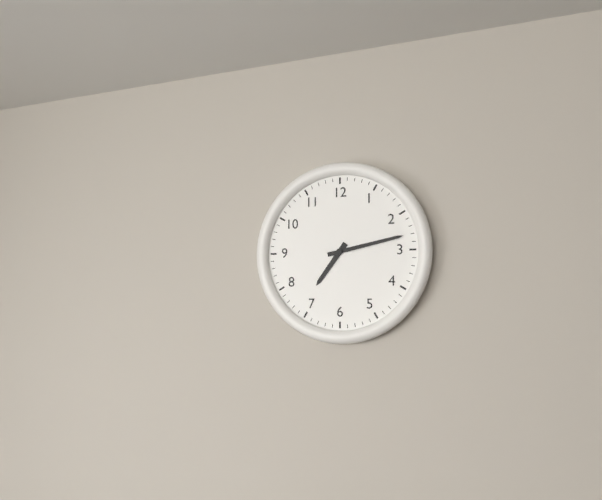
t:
7,13
